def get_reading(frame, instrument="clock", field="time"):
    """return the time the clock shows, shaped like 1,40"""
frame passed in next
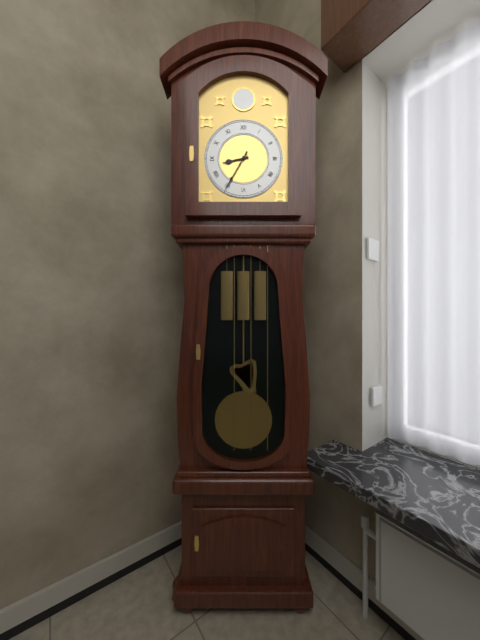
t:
8,35
